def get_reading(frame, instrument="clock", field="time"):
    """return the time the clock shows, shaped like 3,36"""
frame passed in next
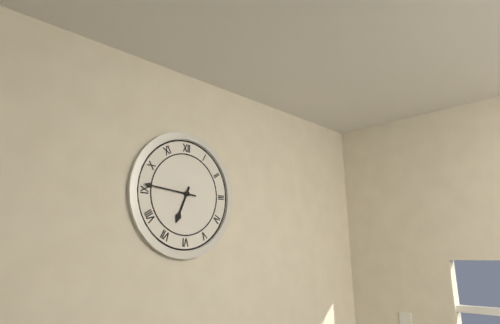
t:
6,46
